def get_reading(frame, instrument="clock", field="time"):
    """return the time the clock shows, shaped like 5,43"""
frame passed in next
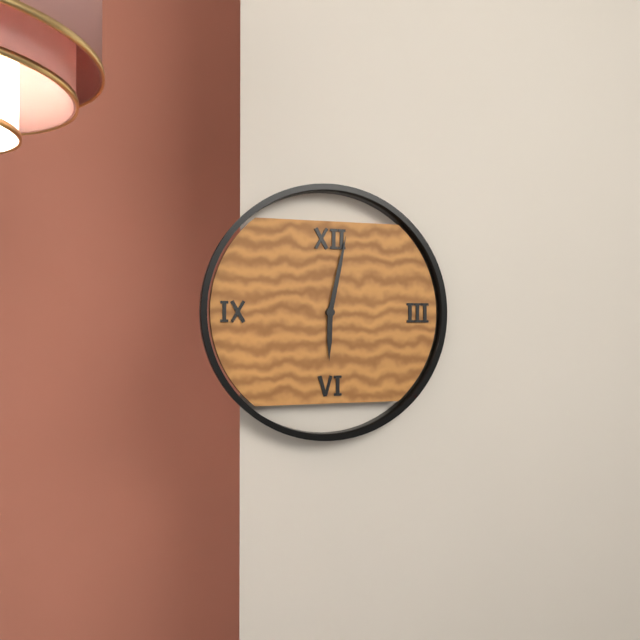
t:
6,02
